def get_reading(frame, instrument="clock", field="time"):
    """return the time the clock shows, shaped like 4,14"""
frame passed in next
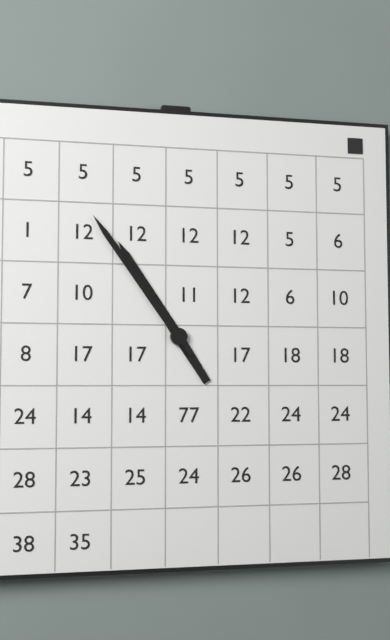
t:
10,54
